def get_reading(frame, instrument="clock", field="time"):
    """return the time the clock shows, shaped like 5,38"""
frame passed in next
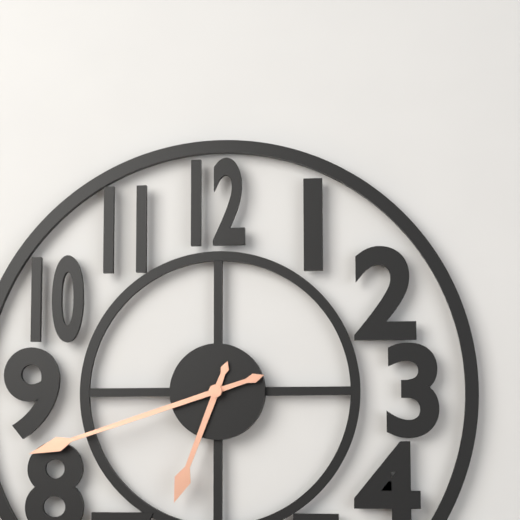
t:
6,42
